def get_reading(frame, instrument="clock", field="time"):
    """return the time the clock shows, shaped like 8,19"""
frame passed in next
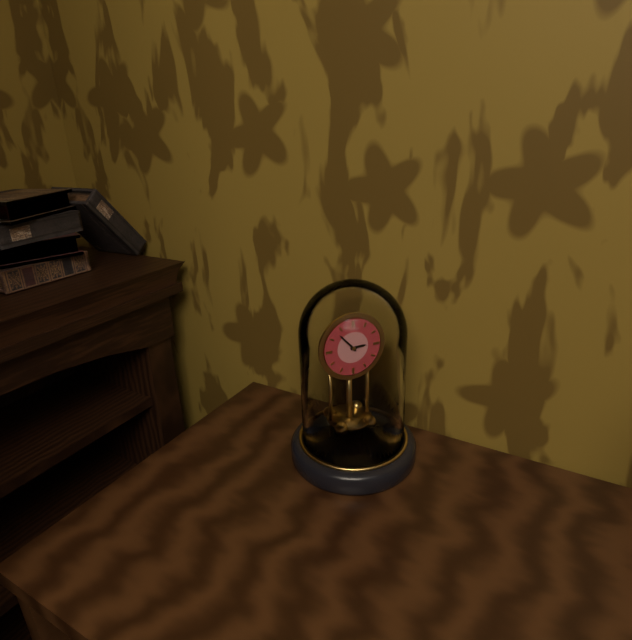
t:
2,53
